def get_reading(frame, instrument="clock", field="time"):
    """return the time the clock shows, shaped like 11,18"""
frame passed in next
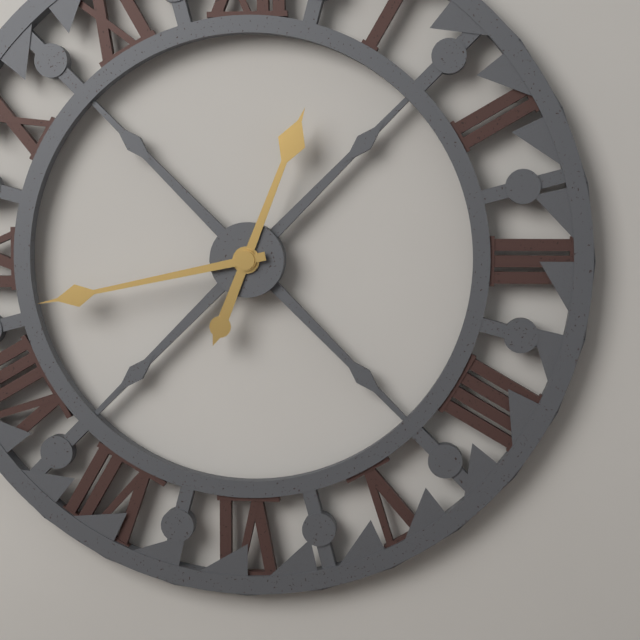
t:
12,43
